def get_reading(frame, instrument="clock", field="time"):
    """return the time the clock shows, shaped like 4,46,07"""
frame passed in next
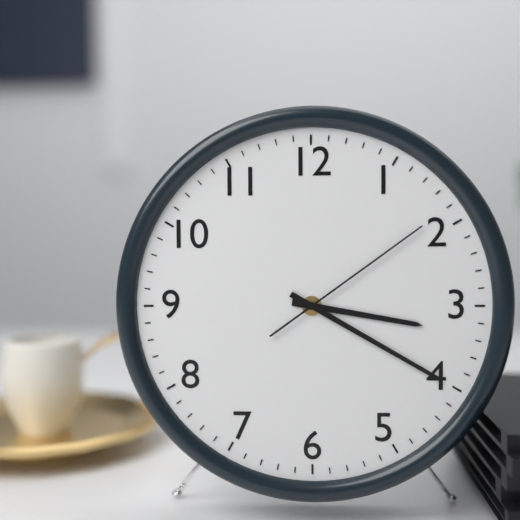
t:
3,20,09
